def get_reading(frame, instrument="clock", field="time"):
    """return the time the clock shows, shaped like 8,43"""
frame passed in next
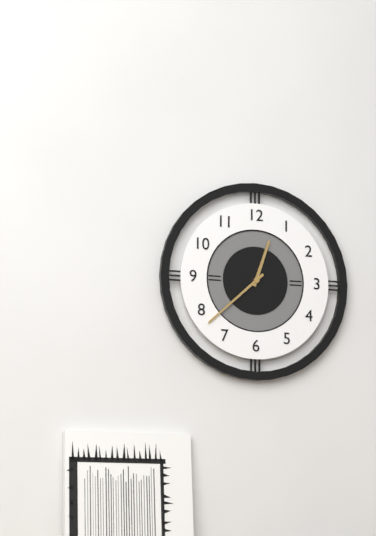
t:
12,38
